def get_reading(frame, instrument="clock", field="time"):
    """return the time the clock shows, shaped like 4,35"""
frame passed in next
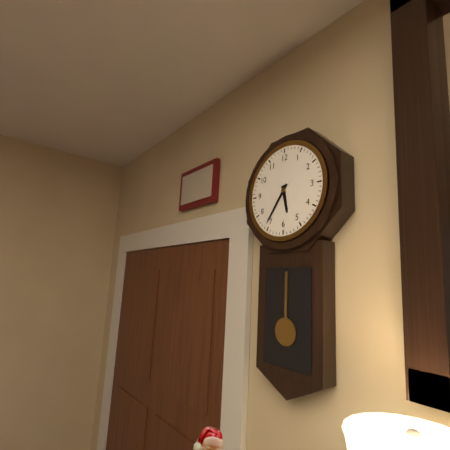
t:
5,36
